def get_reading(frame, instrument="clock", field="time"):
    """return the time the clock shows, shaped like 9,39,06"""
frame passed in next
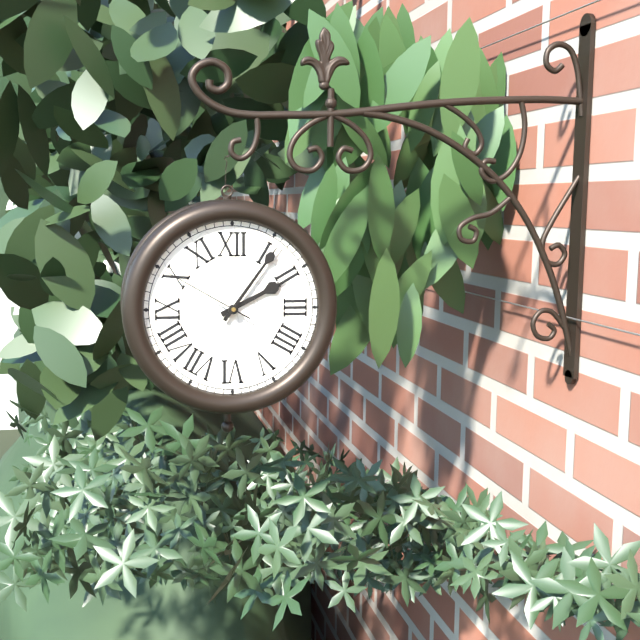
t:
2,06,50
